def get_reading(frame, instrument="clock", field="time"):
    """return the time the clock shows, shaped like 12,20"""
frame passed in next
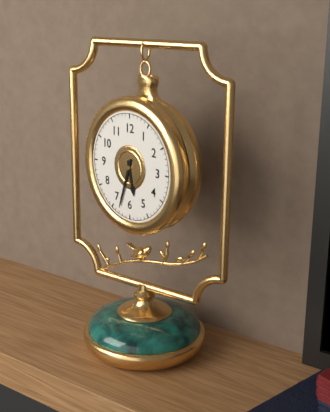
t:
5,33
